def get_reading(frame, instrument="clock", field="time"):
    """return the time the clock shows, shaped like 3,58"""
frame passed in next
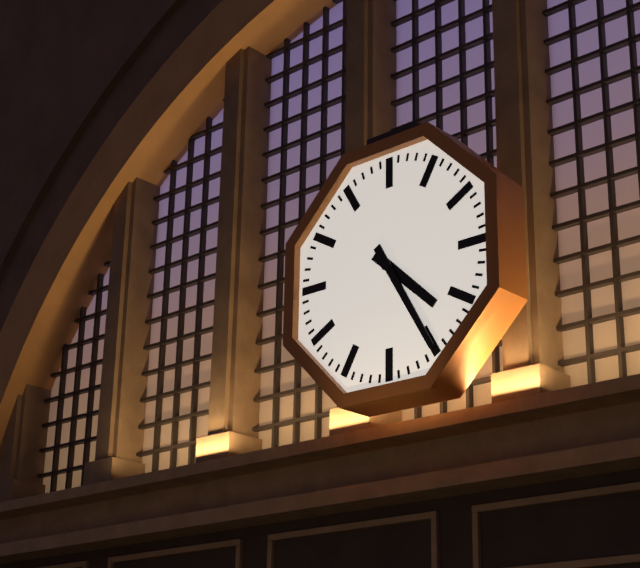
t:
4,25
